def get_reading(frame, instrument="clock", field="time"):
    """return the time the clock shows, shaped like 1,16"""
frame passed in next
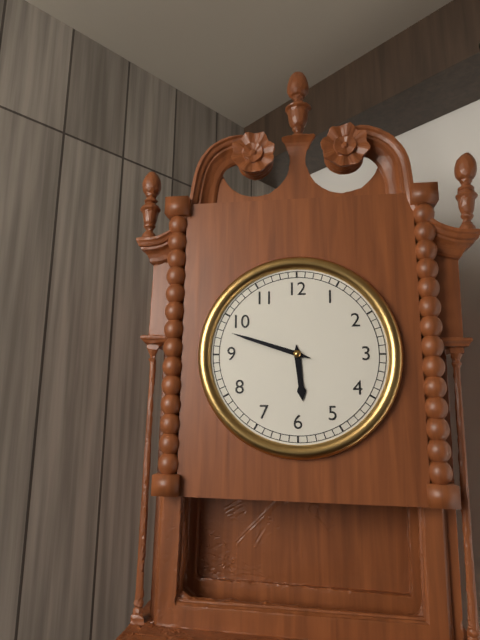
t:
5,48
